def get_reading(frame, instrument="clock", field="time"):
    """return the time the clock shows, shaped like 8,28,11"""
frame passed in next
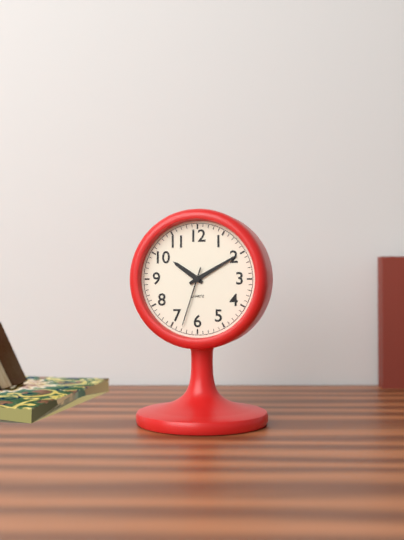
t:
10,10,33
